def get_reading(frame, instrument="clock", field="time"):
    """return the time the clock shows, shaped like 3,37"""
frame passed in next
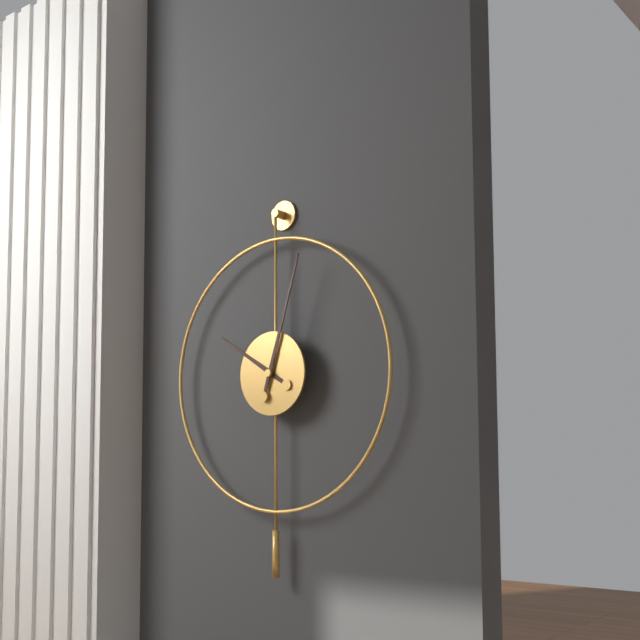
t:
10,03
